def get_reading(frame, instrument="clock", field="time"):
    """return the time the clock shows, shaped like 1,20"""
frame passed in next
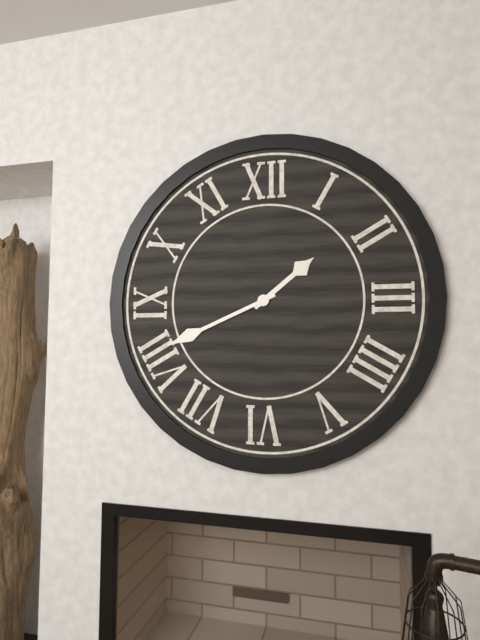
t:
1,41
